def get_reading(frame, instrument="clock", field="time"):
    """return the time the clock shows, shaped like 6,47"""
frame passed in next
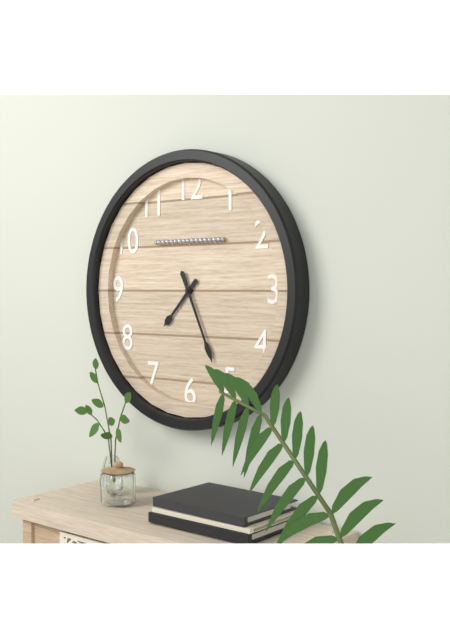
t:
7,26
